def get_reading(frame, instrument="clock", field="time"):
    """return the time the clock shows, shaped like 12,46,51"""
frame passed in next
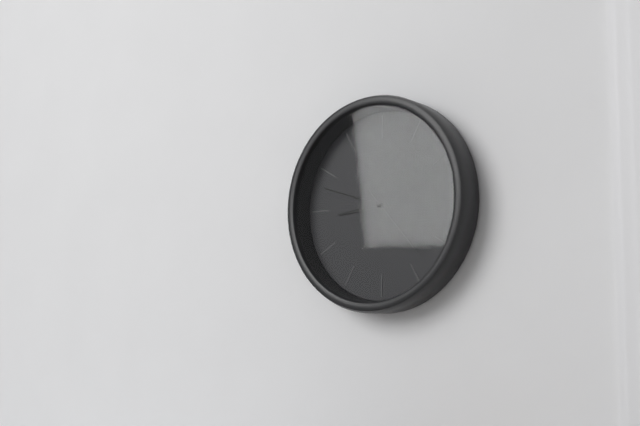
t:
8,48,23
